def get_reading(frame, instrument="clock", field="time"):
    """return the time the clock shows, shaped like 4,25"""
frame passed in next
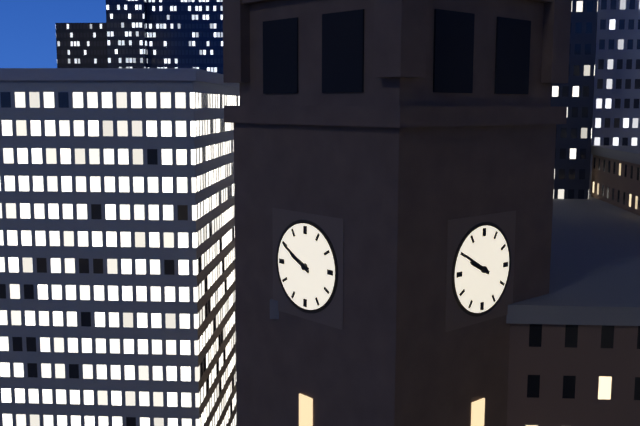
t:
9,50
